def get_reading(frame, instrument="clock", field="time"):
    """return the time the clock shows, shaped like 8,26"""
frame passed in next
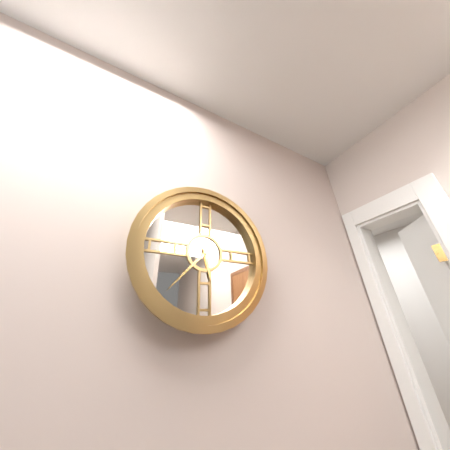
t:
5,37
